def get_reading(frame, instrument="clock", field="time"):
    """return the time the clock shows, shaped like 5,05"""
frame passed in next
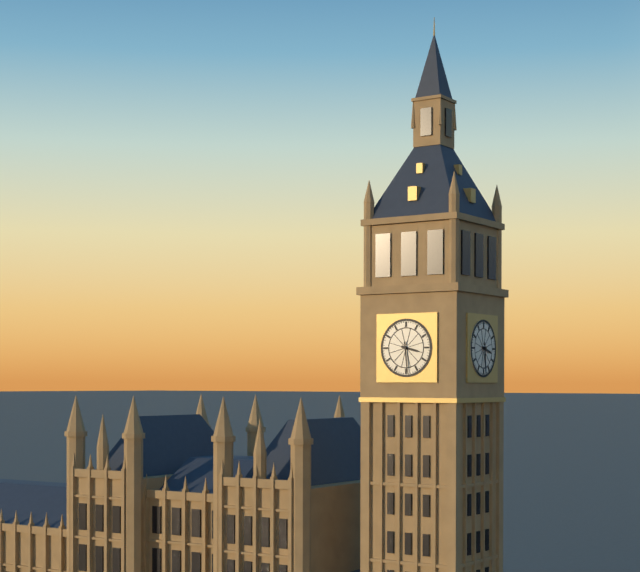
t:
3,29
